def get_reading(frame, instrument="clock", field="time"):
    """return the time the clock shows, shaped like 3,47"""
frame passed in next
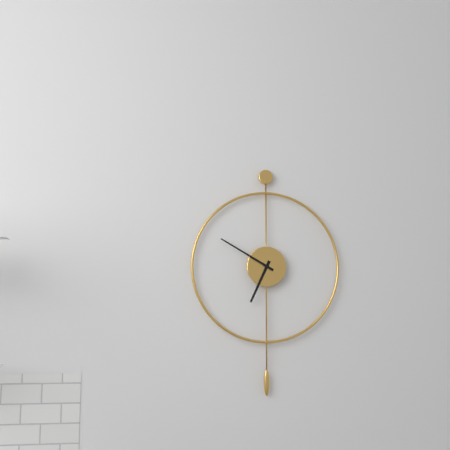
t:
6,50
